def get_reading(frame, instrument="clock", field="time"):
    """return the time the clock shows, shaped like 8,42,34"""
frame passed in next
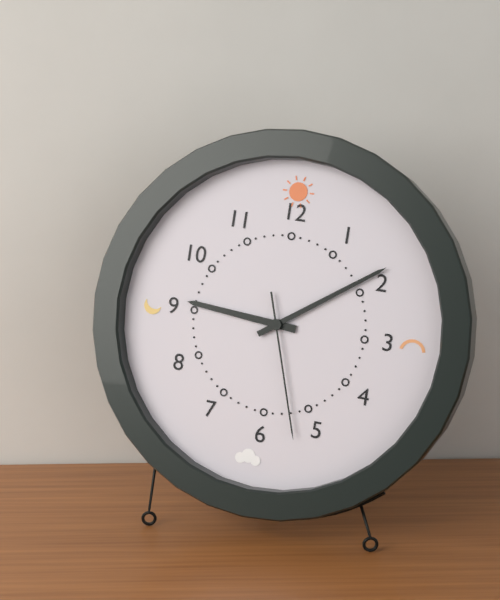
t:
9,09,27
